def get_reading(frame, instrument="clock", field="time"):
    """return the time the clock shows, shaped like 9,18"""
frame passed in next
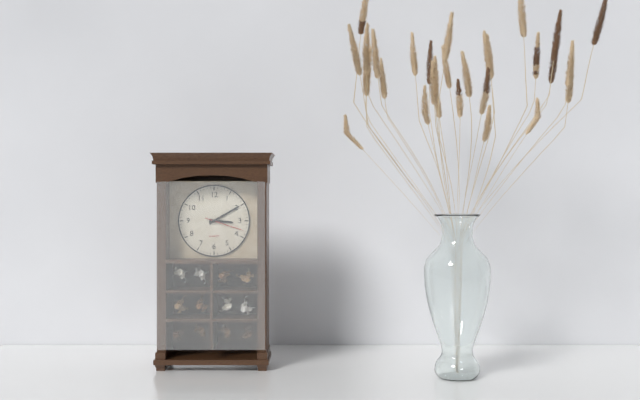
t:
3,10
